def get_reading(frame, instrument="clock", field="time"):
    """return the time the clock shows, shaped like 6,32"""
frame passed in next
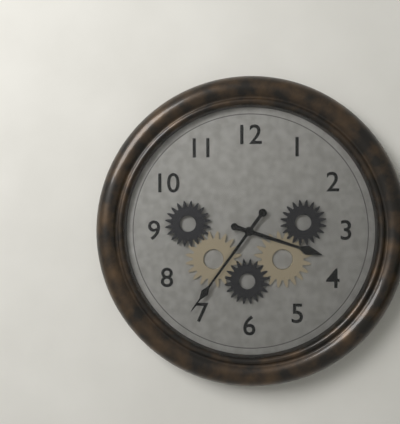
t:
3,36
